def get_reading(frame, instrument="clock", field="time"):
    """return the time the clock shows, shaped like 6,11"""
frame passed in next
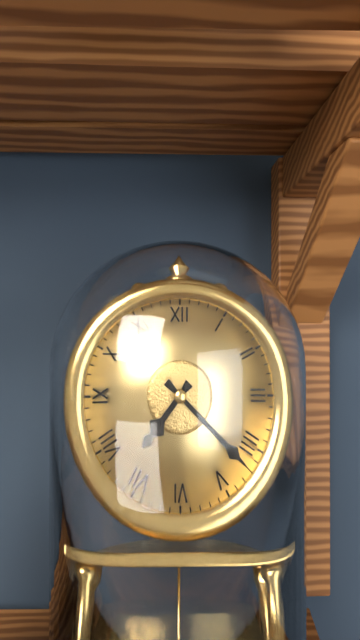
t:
7,22
